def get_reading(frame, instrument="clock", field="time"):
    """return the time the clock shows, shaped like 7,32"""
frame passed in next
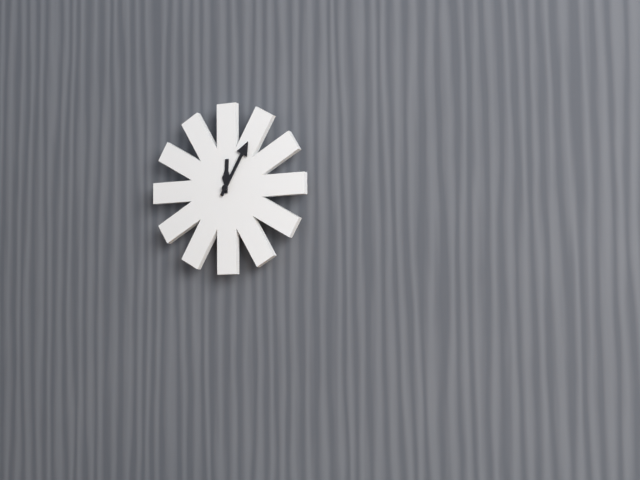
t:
12,05
